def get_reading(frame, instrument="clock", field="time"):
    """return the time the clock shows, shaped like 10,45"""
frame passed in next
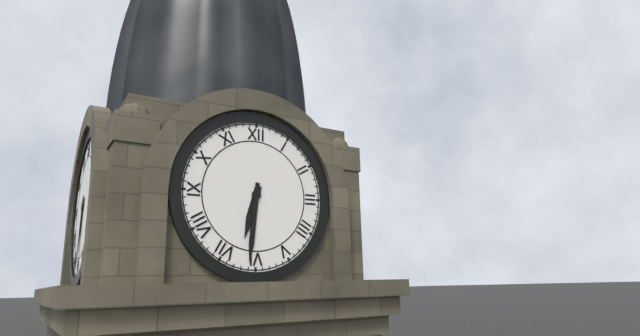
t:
6,31
